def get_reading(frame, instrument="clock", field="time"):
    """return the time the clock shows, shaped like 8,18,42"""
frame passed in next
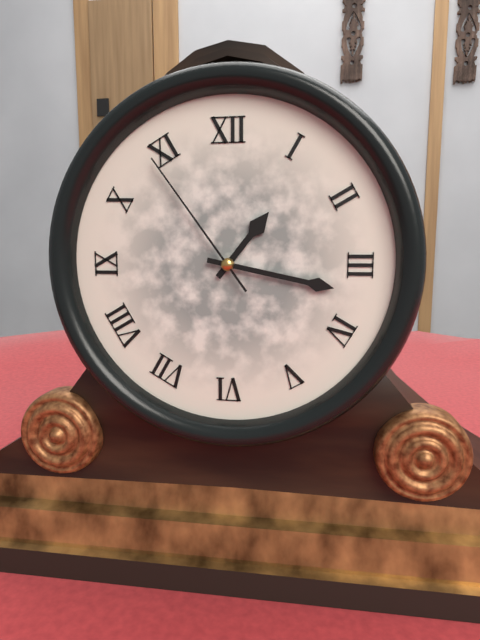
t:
1,17,54
